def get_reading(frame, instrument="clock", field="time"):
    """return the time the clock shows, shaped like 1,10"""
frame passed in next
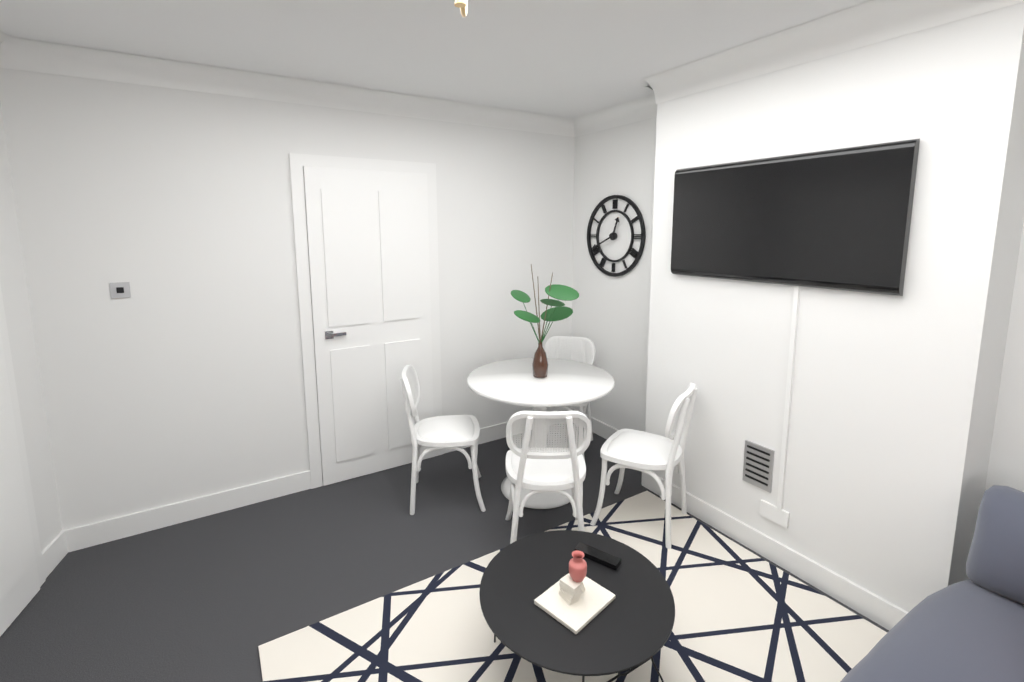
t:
12,41
